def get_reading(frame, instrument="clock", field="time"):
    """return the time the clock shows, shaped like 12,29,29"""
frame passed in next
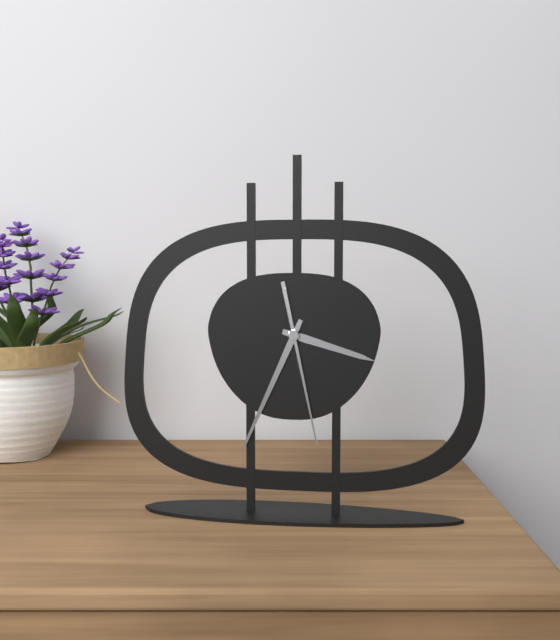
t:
3,34,28
